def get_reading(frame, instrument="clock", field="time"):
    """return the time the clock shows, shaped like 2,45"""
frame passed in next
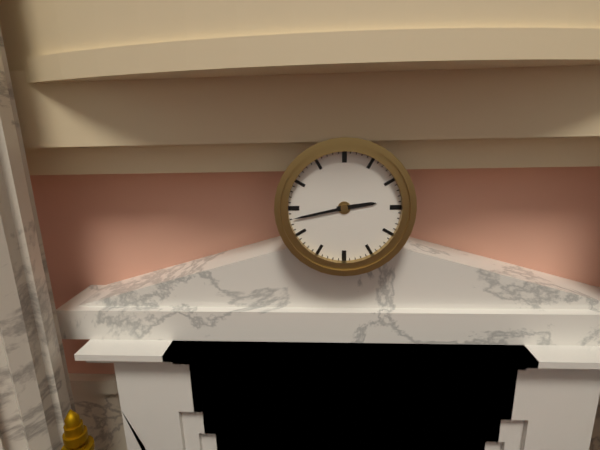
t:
2,43
